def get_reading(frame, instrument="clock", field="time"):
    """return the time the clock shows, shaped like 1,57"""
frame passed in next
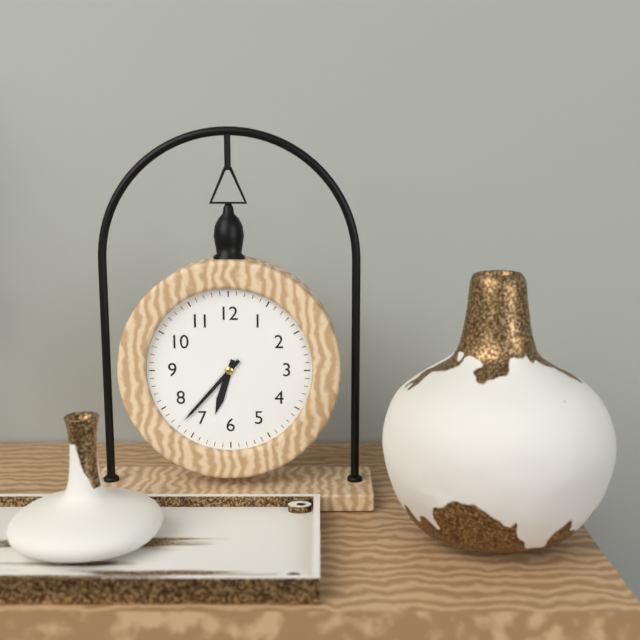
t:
6,37
